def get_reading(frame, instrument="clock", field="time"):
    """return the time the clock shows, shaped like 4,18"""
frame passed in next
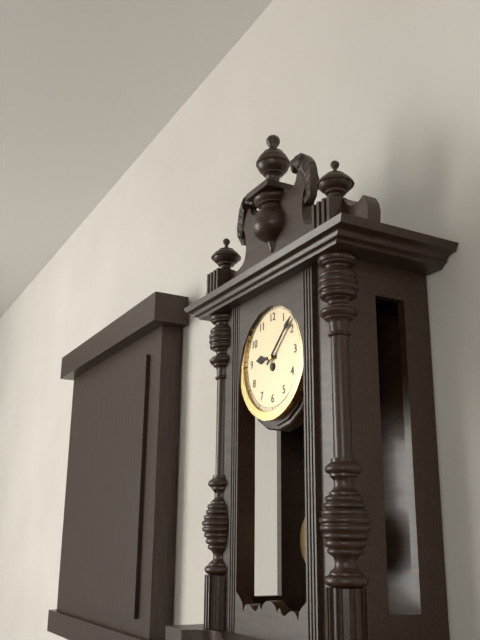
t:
9,08
